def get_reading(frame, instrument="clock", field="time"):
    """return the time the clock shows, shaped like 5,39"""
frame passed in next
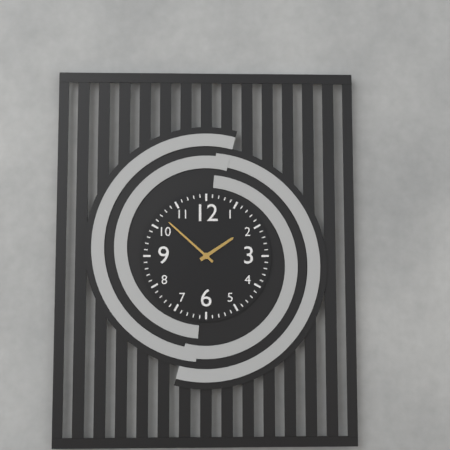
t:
1,52
